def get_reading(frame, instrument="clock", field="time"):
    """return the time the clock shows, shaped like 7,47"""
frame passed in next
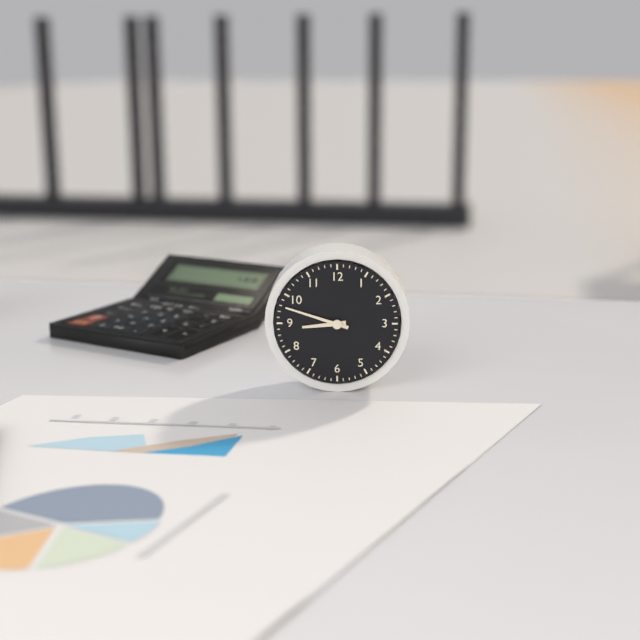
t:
8,48
